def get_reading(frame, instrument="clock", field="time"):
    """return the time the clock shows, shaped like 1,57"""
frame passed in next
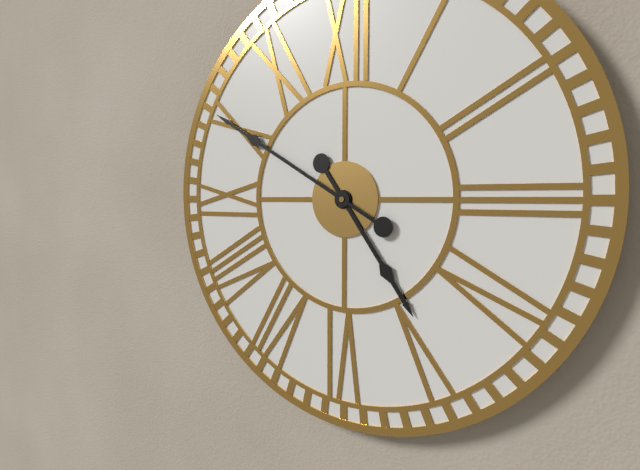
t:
4,50
